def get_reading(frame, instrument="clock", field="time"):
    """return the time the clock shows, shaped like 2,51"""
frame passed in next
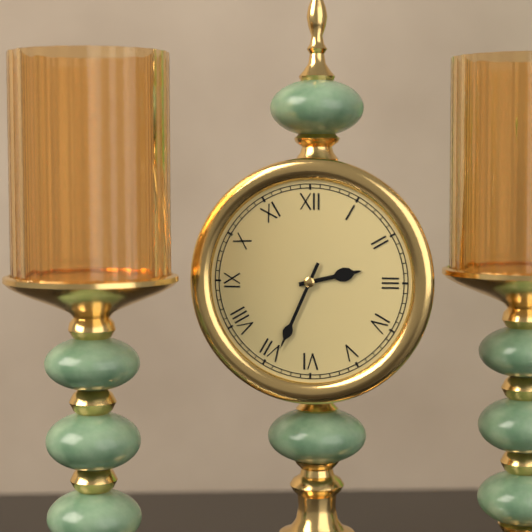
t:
2,34
